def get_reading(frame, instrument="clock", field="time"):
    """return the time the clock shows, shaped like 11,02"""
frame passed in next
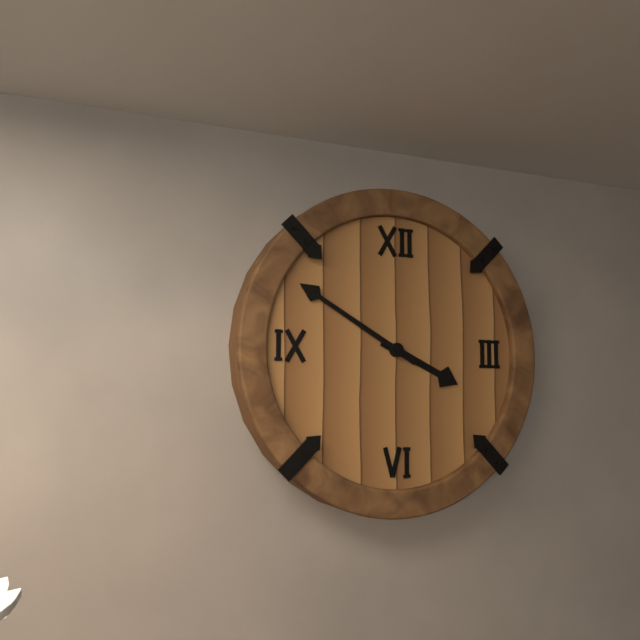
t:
3,50
